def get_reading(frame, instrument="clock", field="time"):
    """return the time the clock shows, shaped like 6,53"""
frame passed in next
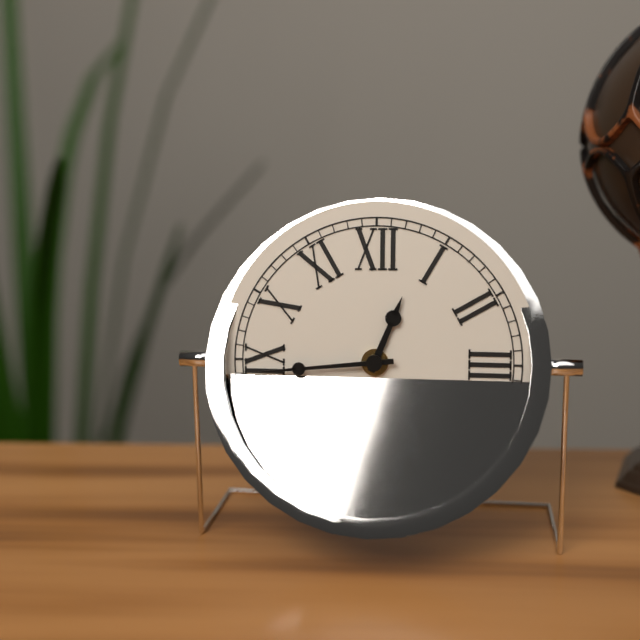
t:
12,44
